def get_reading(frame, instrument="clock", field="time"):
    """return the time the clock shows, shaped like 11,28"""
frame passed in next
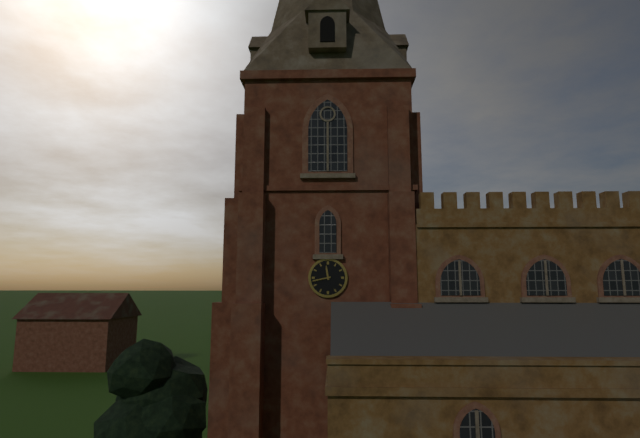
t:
11,43
